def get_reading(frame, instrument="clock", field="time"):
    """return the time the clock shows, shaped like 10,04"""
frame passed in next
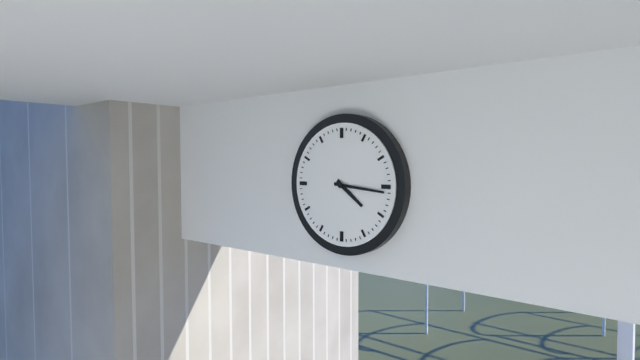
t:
4,16
